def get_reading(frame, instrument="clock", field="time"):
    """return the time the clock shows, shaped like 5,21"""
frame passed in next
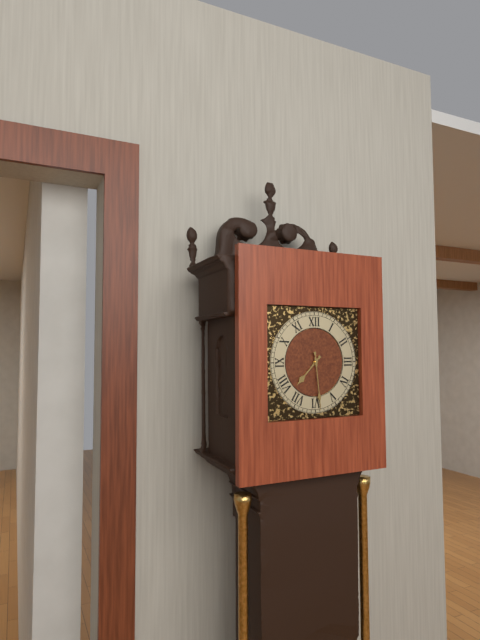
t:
7,29
